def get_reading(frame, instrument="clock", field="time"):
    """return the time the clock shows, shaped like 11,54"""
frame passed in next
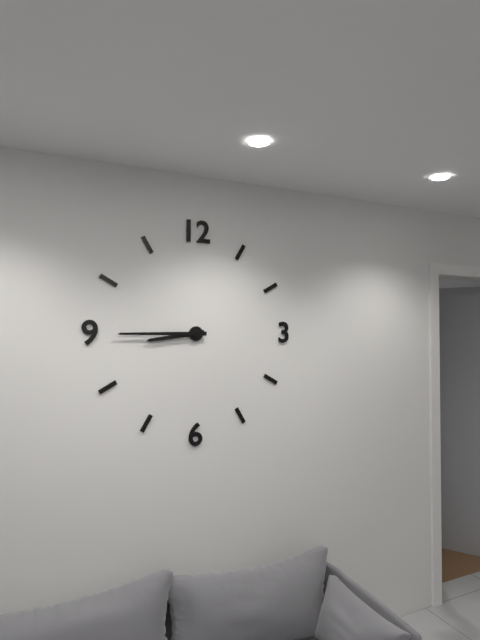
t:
8,45
